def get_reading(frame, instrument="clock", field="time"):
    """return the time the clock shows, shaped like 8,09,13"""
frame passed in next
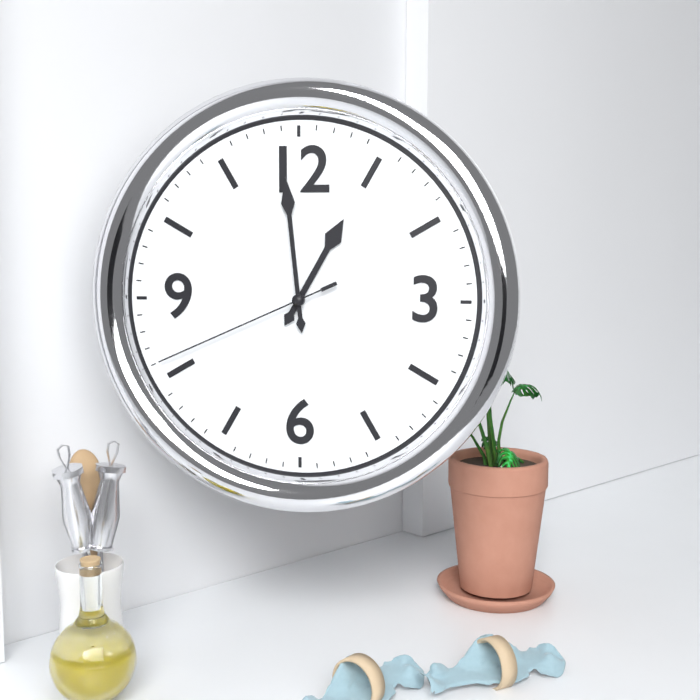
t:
12,59,41
